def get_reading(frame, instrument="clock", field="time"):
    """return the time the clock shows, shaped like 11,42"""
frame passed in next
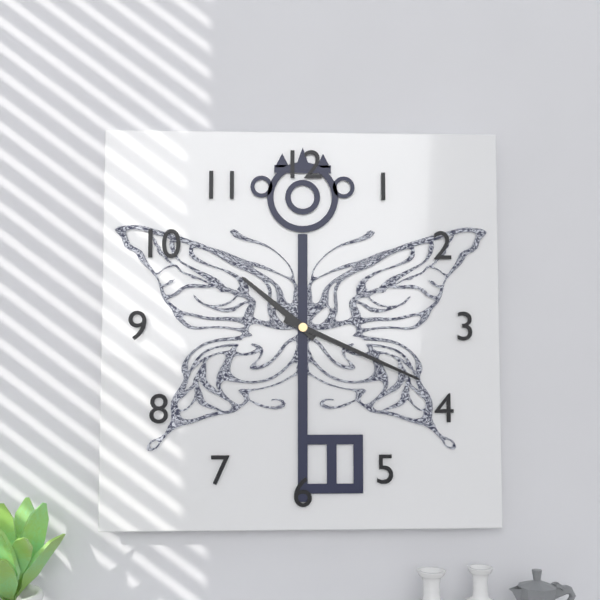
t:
10,19
